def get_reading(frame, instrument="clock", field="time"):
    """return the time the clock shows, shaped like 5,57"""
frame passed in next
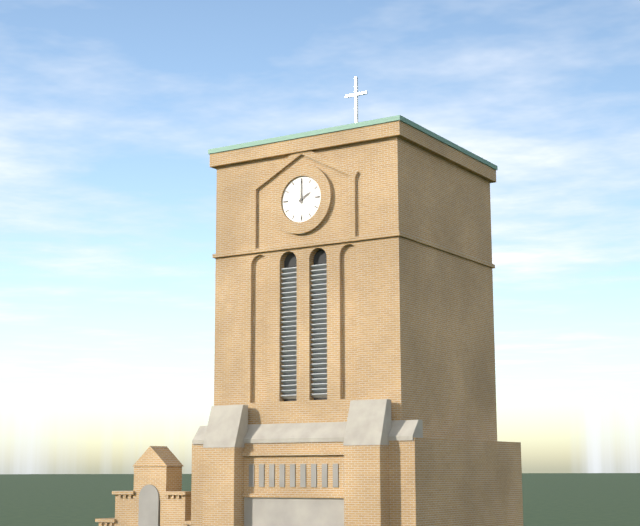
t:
2,00
